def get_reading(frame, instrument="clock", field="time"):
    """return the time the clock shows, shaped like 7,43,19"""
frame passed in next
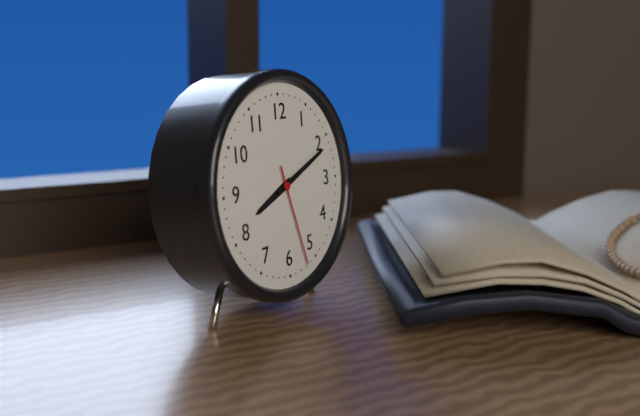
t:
8,11,27
